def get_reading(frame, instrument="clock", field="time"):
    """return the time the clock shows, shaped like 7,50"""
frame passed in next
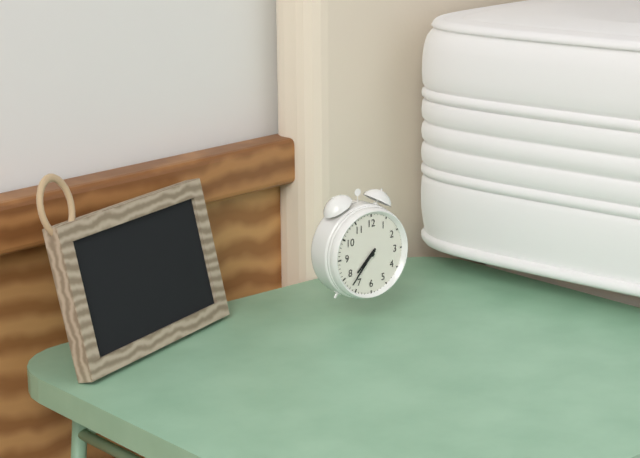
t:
7,37
